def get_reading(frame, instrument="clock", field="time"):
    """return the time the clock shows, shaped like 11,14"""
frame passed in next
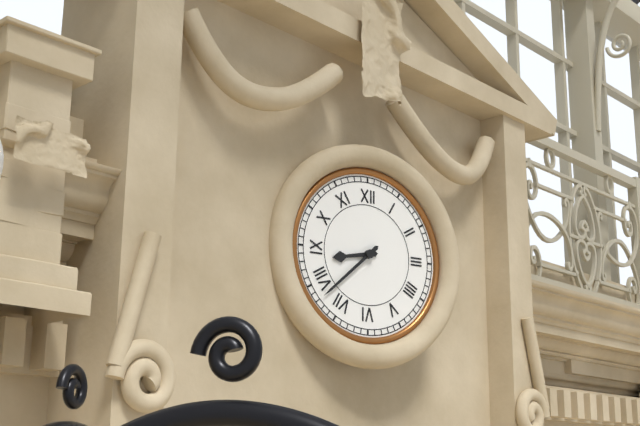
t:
8,38
